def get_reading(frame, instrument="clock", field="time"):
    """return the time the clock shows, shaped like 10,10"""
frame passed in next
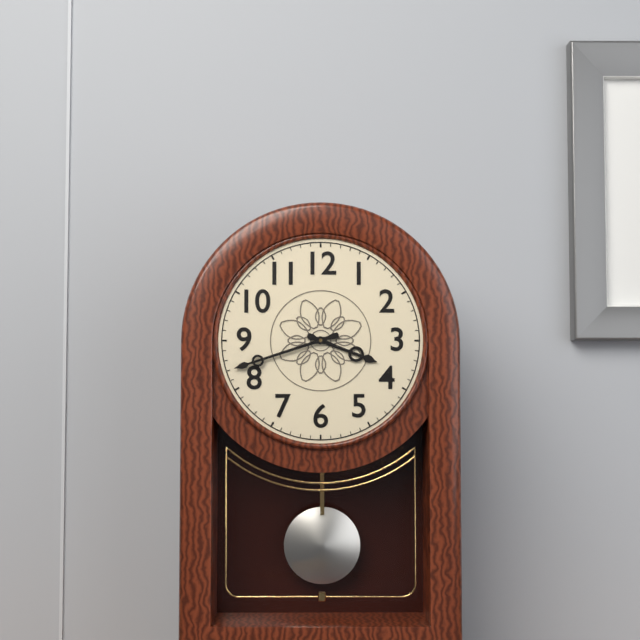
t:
3,42
